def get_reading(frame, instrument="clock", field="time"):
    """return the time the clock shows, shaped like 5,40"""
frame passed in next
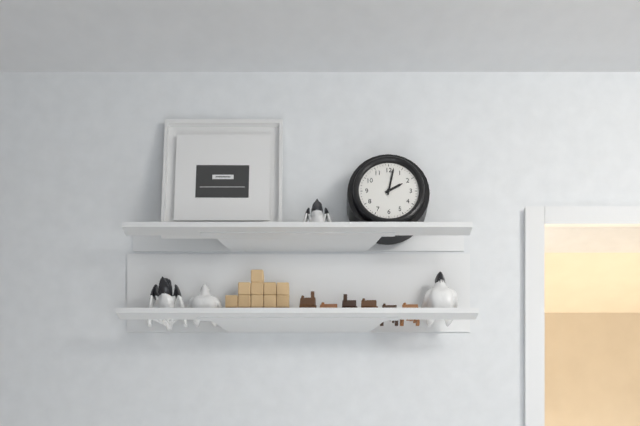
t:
2,02
